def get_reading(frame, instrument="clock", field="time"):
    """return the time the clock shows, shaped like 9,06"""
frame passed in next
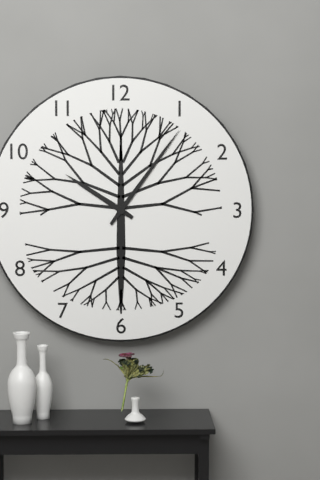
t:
10,06
